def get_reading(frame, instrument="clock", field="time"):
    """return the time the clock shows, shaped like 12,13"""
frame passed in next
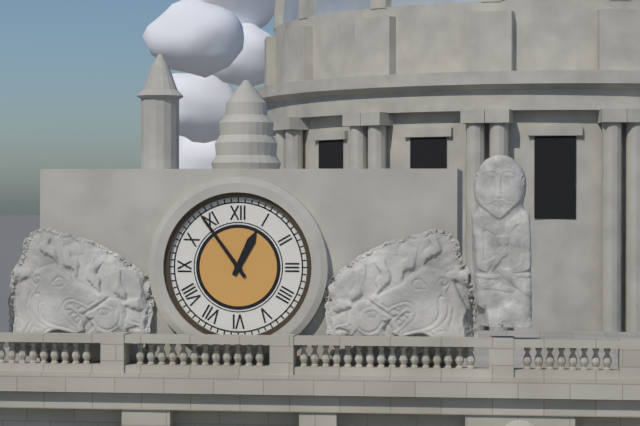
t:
12,54
